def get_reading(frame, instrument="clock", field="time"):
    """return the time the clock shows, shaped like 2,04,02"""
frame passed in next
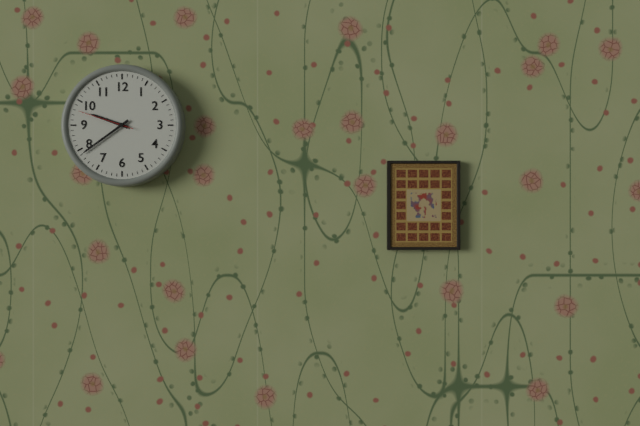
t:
9,39,48
